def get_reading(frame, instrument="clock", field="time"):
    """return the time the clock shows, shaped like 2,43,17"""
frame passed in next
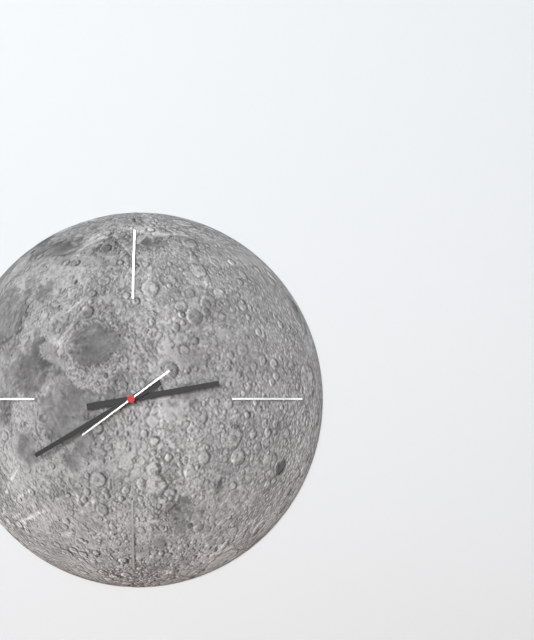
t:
2,40,39
